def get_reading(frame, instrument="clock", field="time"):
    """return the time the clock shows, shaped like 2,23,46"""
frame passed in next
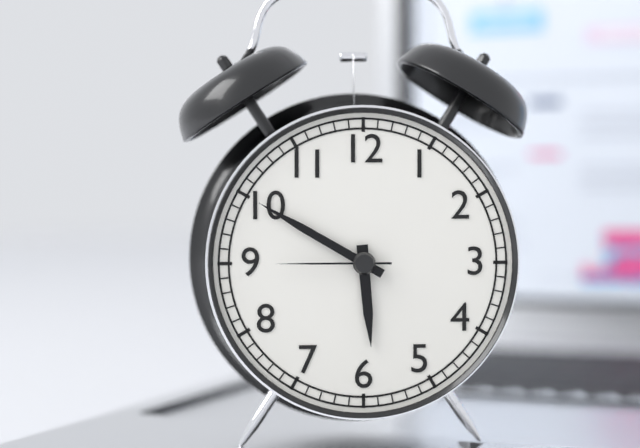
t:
5,50,45
